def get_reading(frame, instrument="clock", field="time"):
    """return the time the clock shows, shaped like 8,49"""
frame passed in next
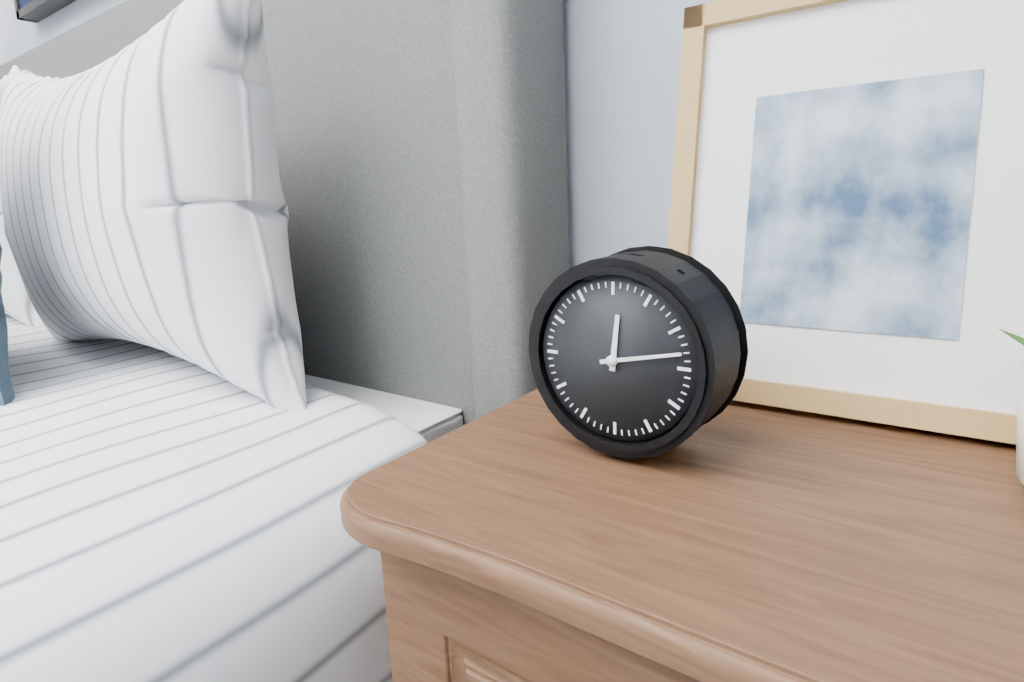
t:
12,13
